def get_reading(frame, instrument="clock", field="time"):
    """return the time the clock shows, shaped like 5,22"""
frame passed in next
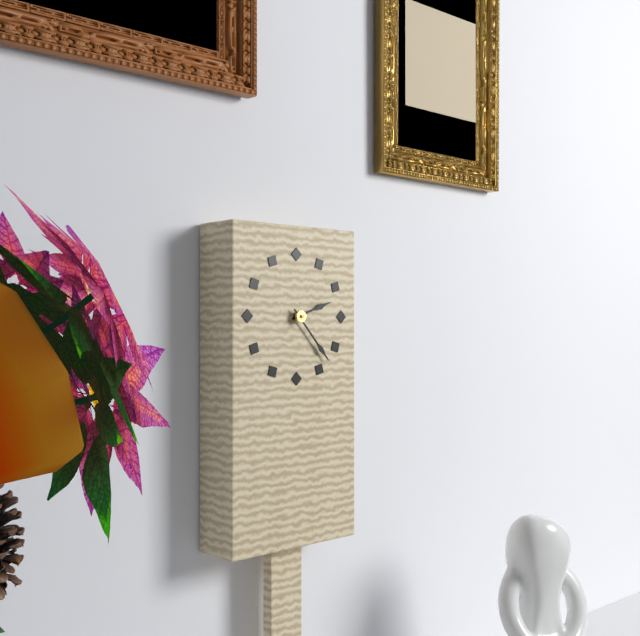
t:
2,23
